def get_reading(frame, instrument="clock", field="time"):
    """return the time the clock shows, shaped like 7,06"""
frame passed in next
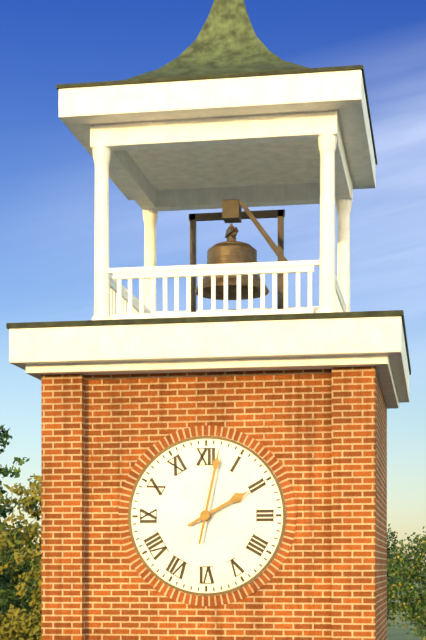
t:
2,02
